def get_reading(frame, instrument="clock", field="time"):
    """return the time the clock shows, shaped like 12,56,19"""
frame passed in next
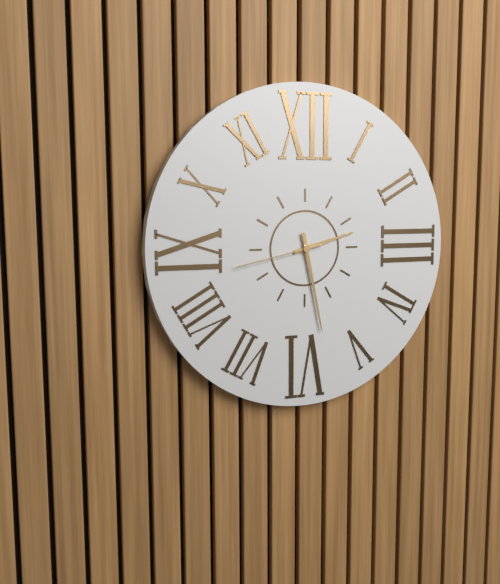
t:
2,28,43
